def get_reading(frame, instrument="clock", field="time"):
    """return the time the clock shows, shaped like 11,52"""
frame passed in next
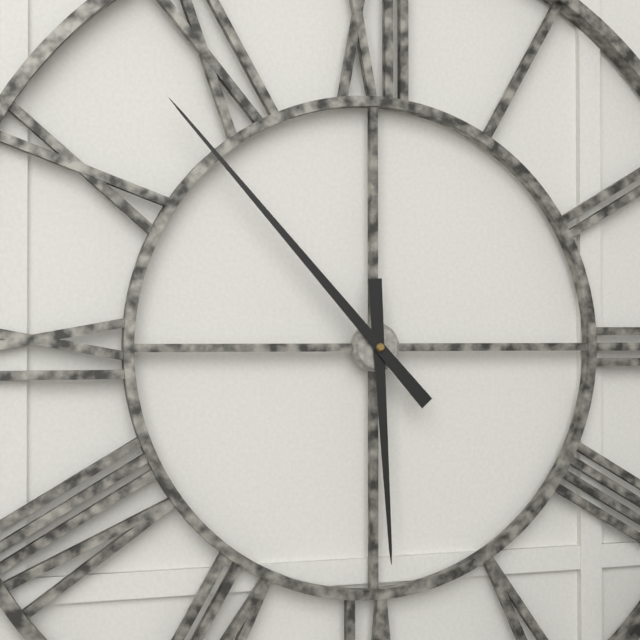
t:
5,53
